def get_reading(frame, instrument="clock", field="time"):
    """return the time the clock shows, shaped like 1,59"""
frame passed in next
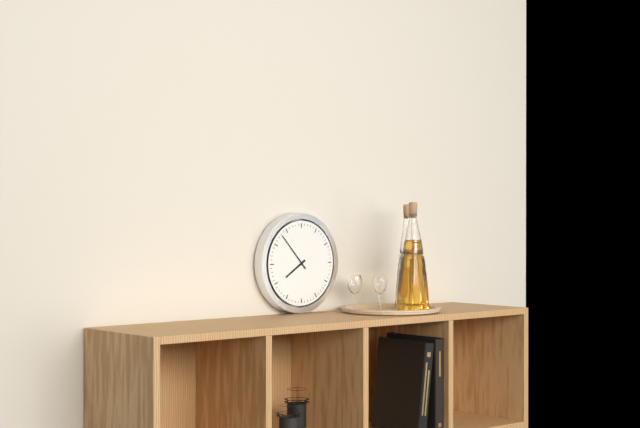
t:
7,53
